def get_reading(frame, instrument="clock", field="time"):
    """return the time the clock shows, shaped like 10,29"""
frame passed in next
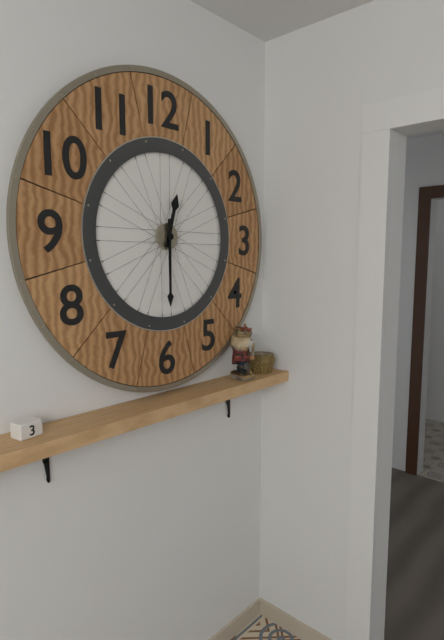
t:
12,30
